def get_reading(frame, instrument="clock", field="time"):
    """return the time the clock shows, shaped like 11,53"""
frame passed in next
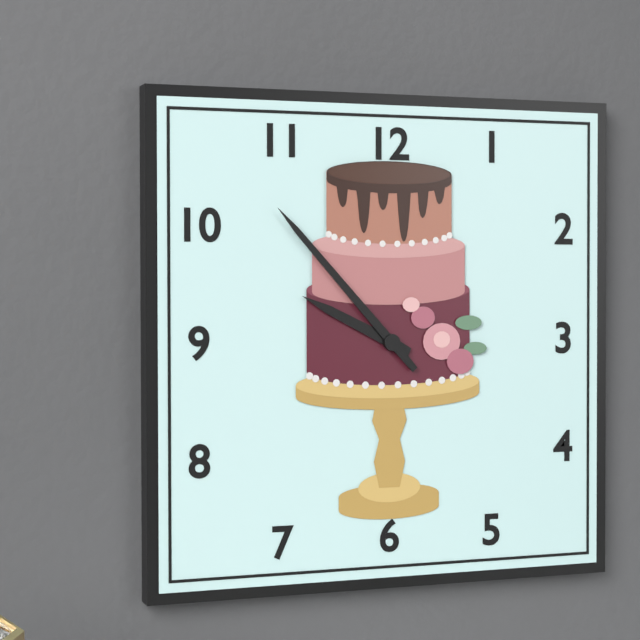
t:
9,53
